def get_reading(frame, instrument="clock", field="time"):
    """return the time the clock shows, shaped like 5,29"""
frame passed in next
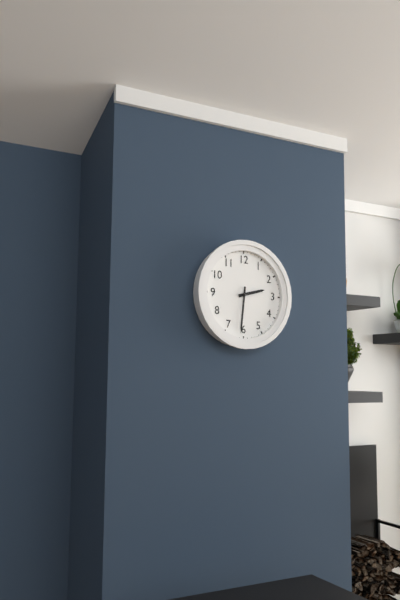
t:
2,31
